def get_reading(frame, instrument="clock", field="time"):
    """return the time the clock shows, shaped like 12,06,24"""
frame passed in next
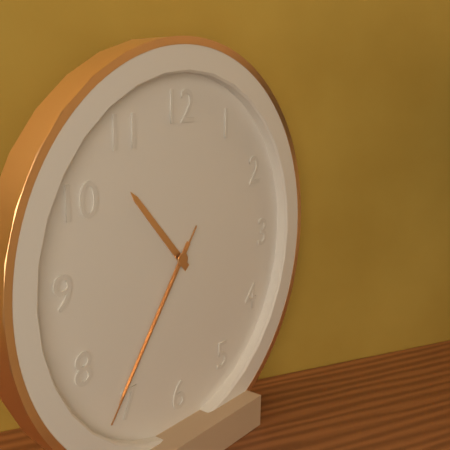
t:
10,36,36
